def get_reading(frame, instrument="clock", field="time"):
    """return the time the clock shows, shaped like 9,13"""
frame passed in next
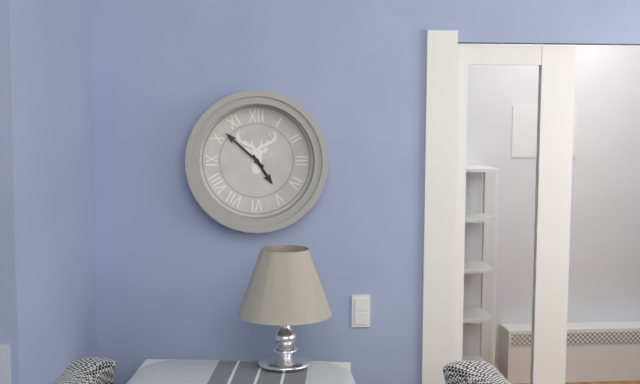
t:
4,52
